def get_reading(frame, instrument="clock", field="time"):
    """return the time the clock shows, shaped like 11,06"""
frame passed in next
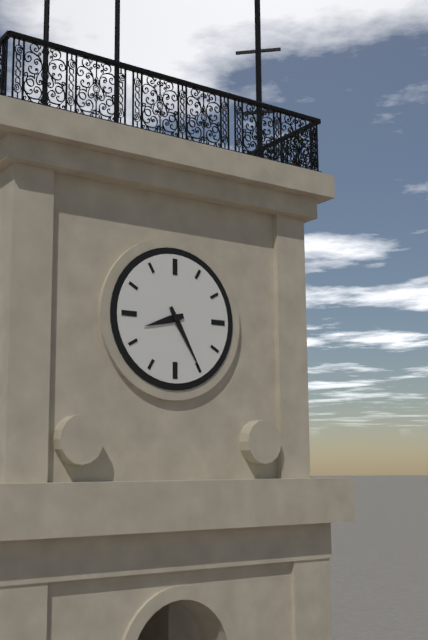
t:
8,25
